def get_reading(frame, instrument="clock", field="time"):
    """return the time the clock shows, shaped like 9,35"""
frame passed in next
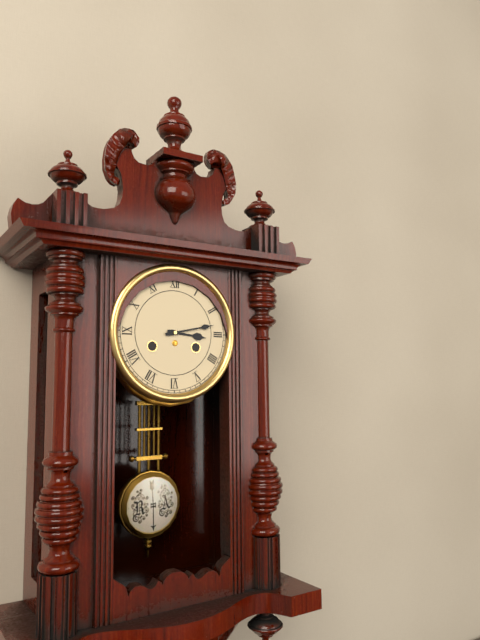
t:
3,13
